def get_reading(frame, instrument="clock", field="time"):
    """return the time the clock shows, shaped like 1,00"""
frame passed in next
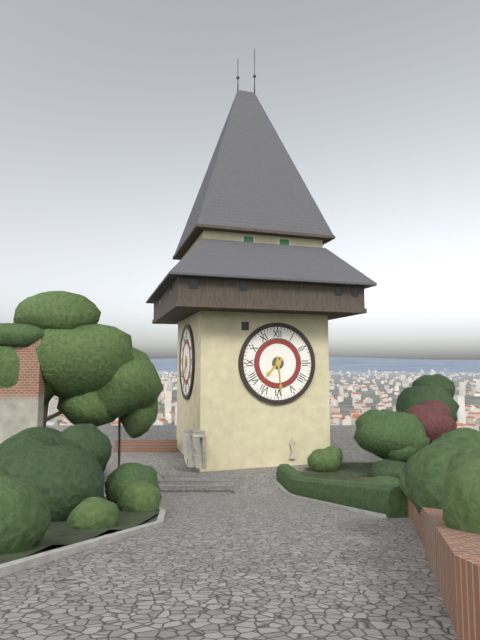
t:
7,29
